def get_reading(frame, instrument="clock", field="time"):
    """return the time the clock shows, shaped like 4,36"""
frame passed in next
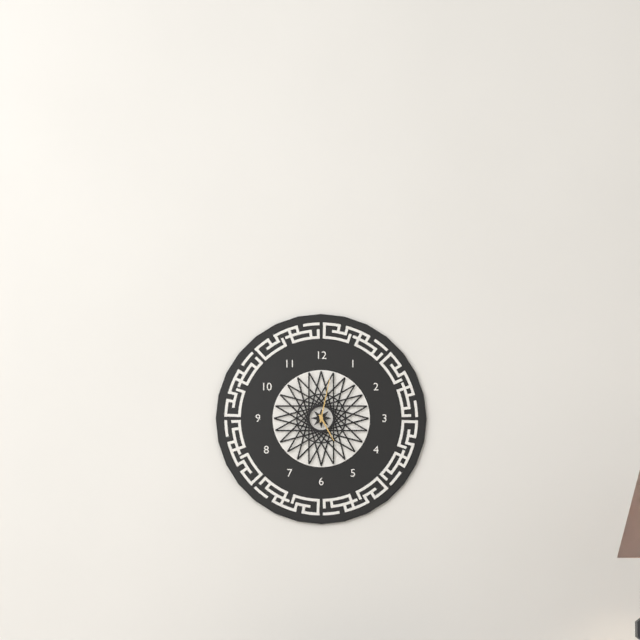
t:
5,02
